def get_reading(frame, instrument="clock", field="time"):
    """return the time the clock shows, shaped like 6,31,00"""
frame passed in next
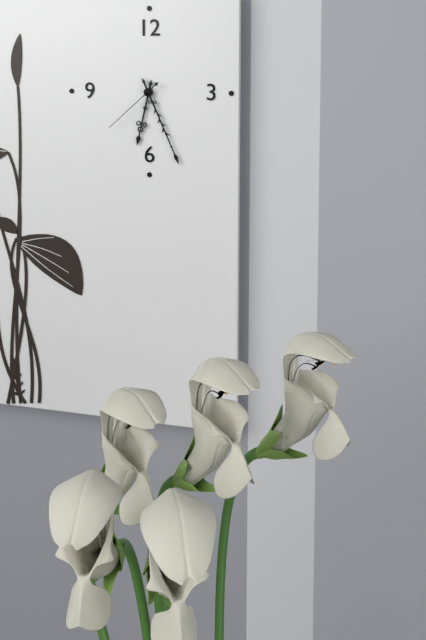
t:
6,26,38
